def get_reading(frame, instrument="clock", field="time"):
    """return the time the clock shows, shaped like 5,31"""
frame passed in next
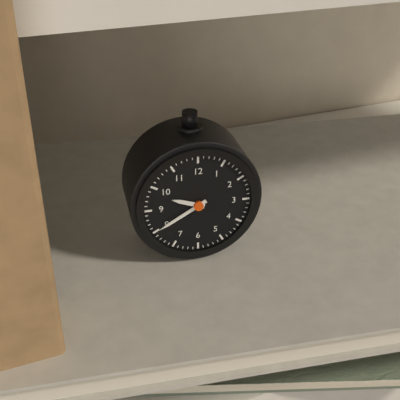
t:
9,40
